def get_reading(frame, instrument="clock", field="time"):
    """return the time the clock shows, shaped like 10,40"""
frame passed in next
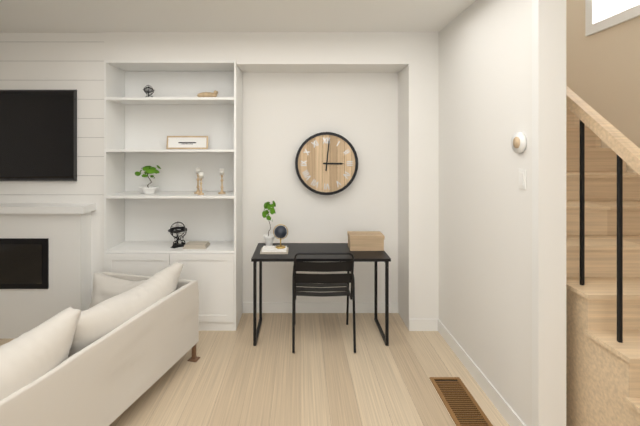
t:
3,01
